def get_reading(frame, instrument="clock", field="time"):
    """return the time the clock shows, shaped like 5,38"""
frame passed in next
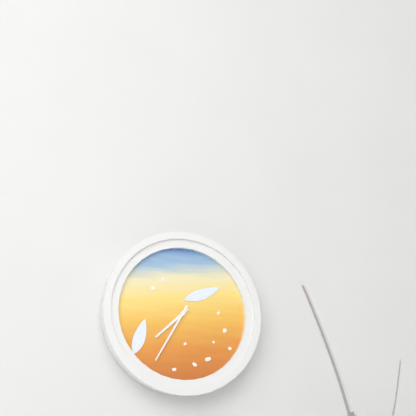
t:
7,35
